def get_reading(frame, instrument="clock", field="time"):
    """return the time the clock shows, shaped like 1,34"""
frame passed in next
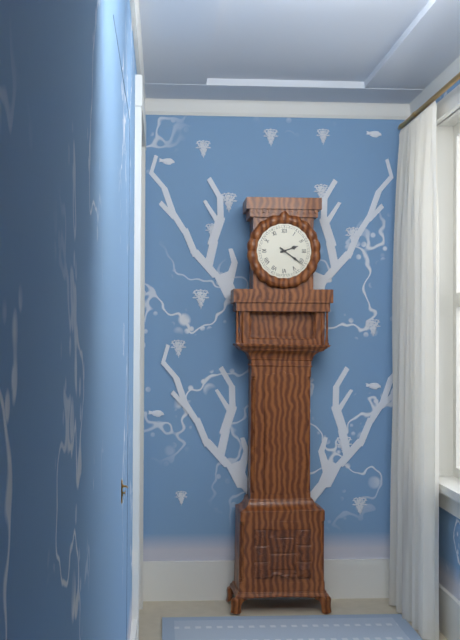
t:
2,21
